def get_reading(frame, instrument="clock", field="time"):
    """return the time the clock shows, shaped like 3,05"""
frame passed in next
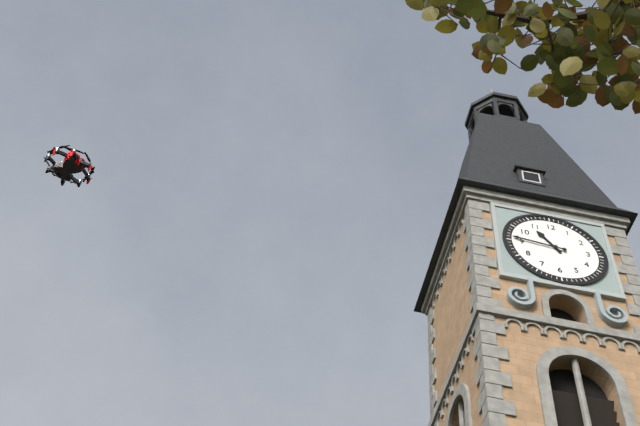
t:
10,46
